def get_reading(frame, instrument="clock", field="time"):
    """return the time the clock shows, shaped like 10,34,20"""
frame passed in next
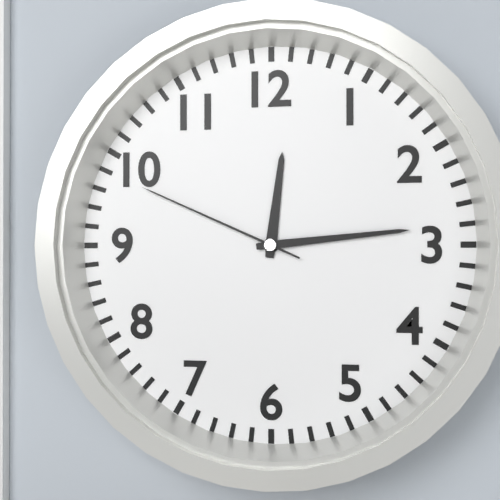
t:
12,14,49
